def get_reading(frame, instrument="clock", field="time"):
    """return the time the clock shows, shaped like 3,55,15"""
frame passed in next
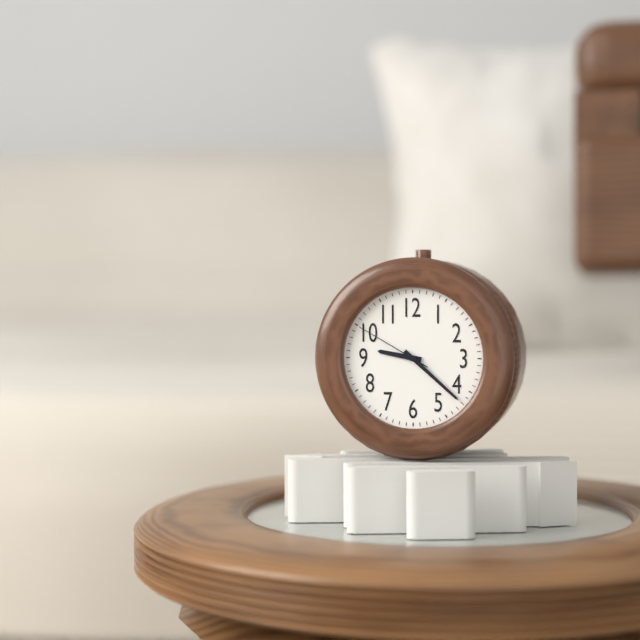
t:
9,22,50
